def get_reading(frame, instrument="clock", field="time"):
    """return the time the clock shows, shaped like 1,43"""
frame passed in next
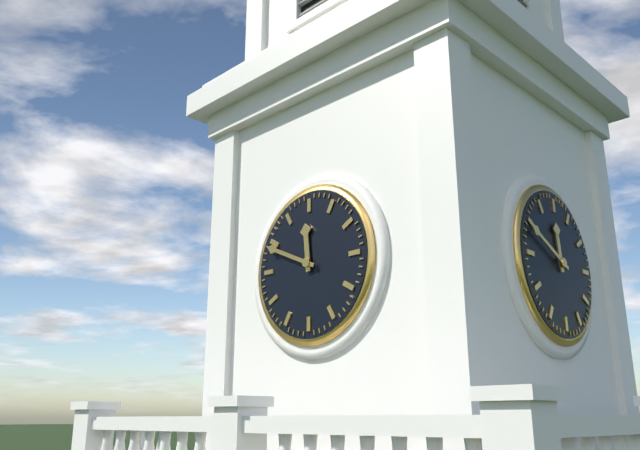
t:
11,49
